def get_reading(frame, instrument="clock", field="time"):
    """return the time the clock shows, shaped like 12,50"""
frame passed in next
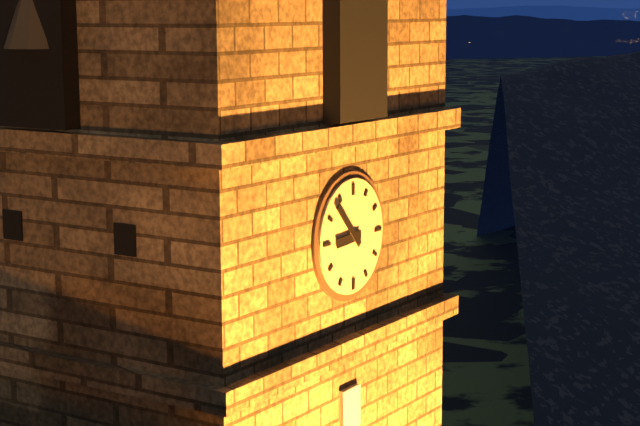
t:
8,53
